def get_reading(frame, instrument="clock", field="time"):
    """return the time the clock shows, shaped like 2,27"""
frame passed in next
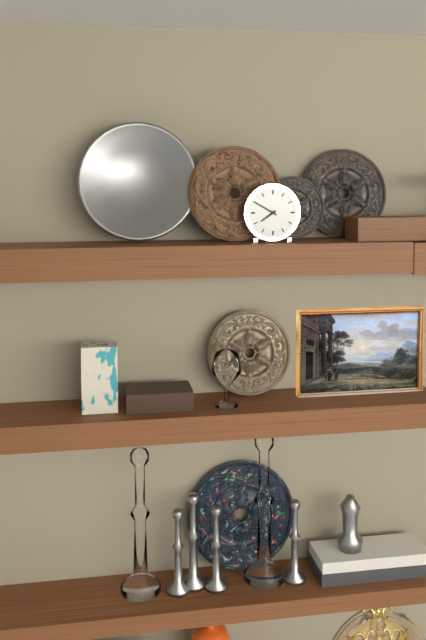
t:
7,50
